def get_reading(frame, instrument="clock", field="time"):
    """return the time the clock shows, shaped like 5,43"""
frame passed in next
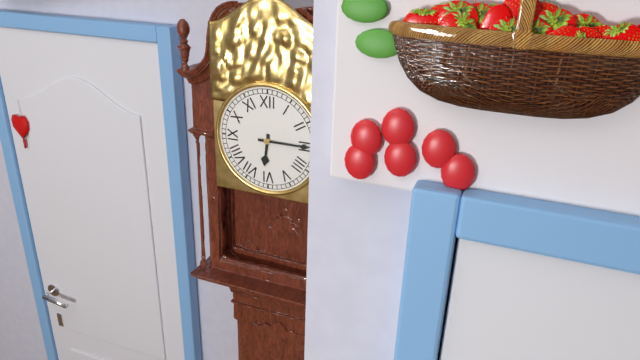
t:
6,15
